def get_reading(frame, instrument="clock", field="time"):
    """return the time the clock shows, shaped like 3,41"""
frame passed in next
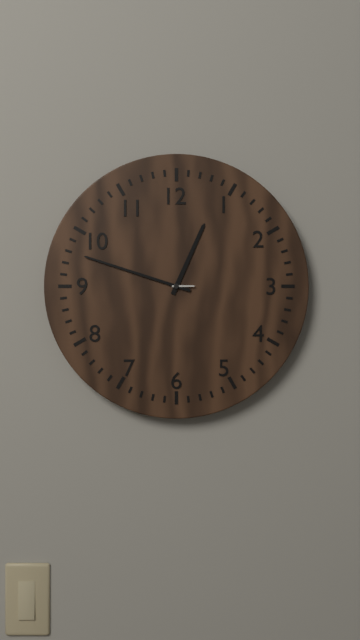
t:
12,48
